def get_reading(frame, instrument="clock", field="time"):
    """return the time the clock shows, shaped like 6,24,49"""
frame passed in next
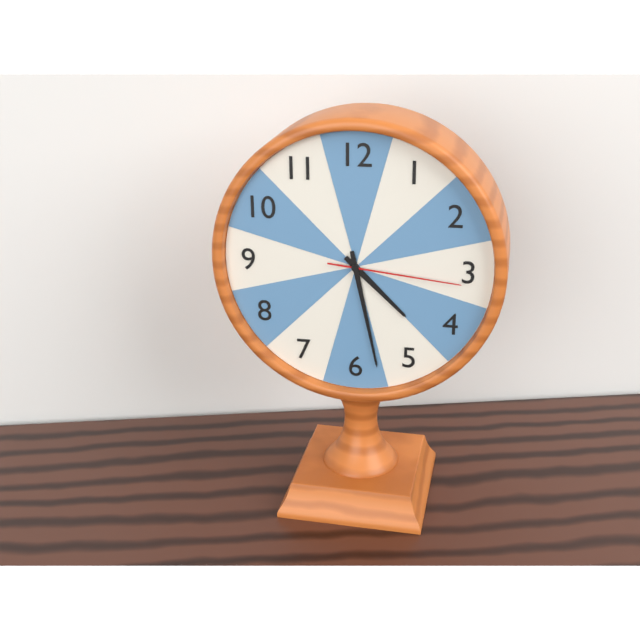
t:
4,28,16
